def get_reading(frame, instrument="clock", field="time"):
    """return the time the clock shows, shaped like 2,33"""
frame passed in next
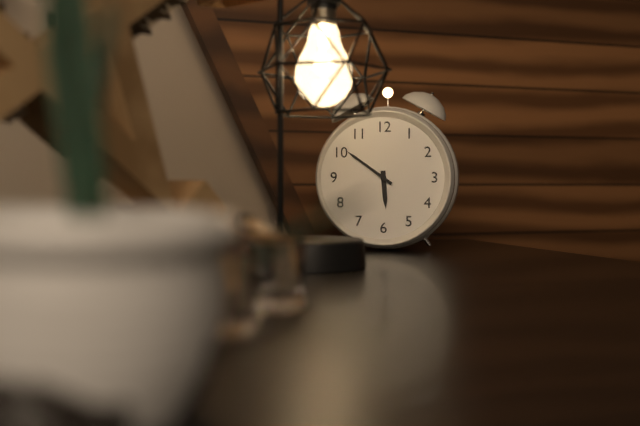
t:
5,51
